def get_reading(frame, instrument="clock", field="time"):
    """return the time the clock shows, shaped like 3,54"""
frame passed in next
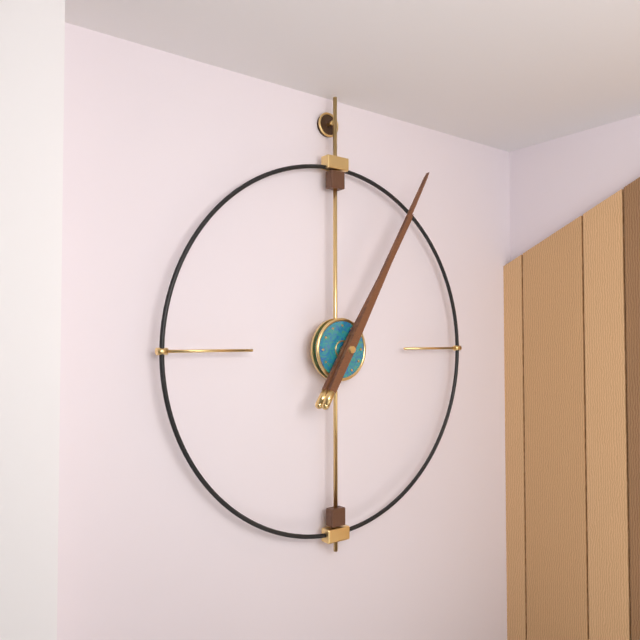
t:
1,05
